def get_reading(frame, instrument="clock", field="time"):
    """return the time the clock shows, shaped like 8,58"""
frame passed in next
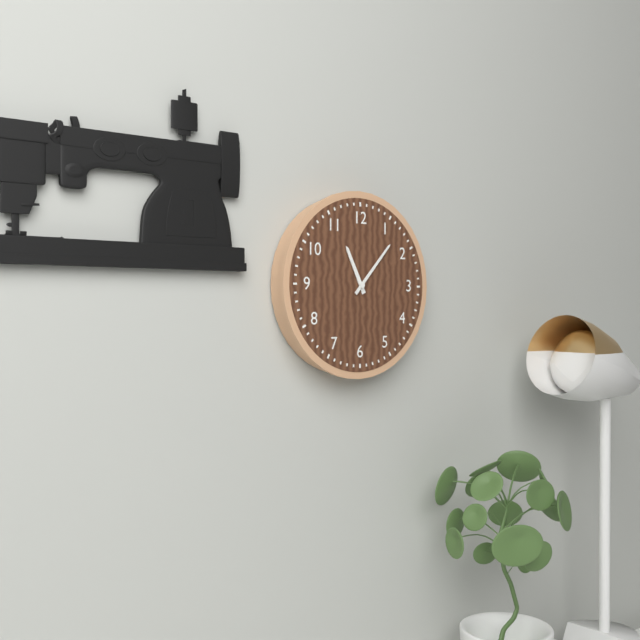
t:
11,07
